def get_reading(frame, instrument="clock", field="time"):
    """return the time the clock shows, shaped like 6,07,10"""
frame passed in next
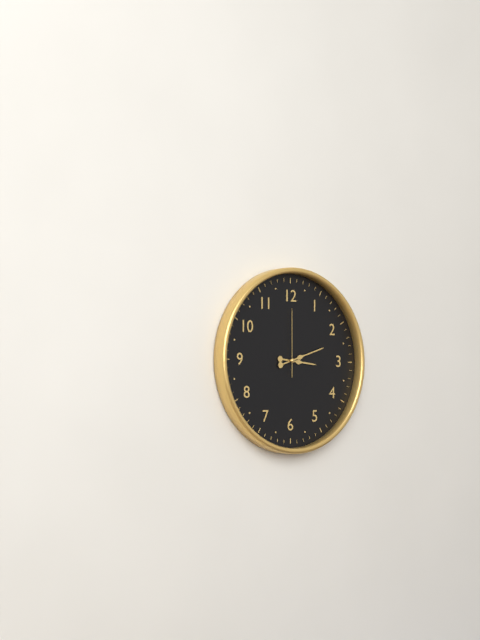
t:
3,12,00
